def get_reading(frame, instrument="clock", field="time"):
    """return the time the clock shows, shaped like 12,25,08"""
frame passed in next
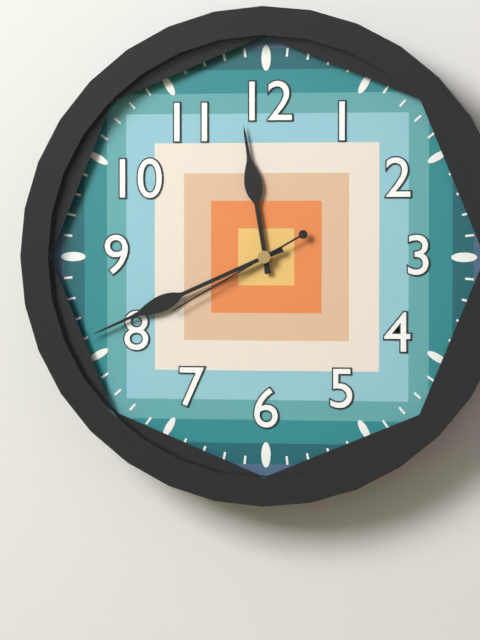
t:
11,41,40
